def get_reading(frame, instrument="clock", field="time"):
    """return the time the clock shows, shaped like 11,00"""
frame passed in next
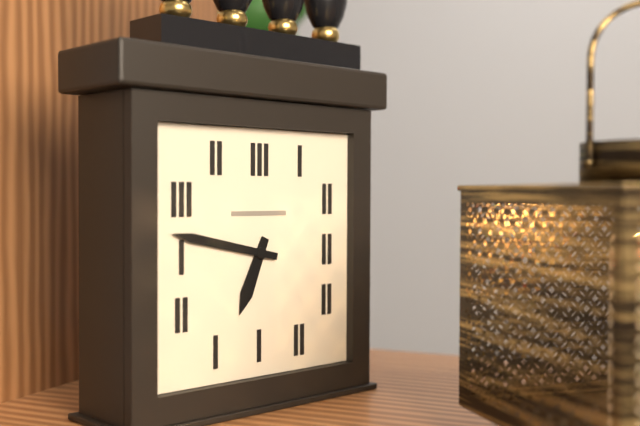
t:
6,47
